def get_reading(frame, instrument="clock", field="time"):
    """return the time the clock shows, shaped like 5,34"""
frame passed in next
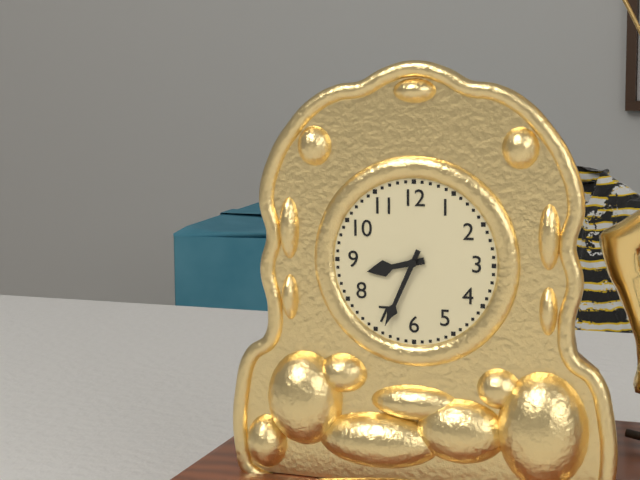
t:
8,34
